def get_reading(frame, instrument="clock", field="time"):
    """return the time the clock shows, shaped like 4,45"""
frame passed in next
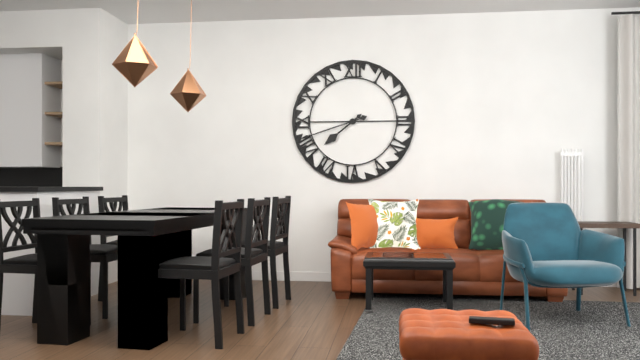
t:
7,42
